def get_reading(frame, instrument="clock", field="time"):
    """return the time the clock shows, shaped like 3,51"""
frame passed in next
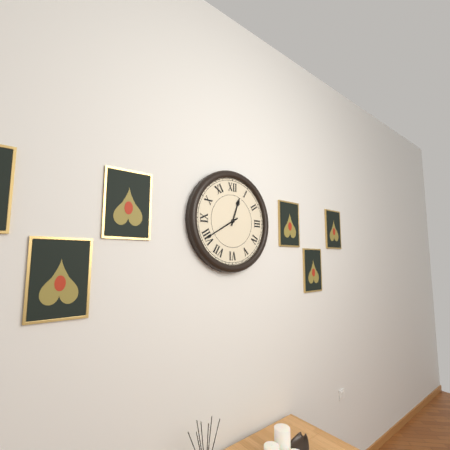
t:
12,40
